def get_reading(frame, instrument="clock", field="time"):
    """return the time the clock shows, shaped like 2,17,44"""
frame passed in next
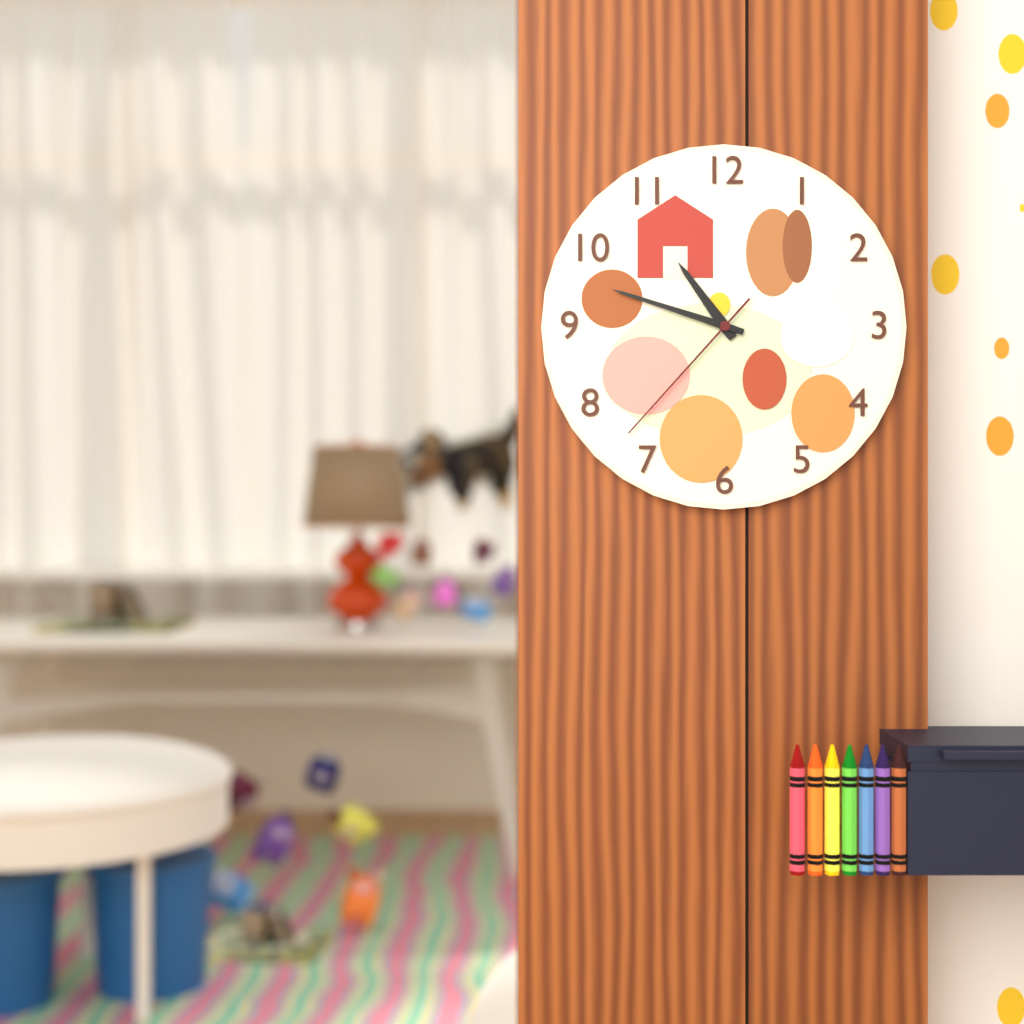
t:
10,48,37
